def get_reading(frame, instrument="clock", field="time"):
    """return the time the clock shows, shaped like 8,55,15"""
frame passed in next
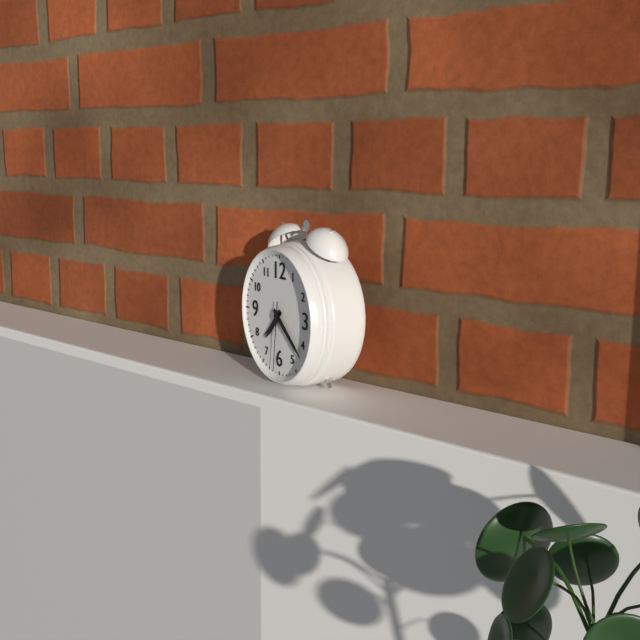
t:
7,22,31
